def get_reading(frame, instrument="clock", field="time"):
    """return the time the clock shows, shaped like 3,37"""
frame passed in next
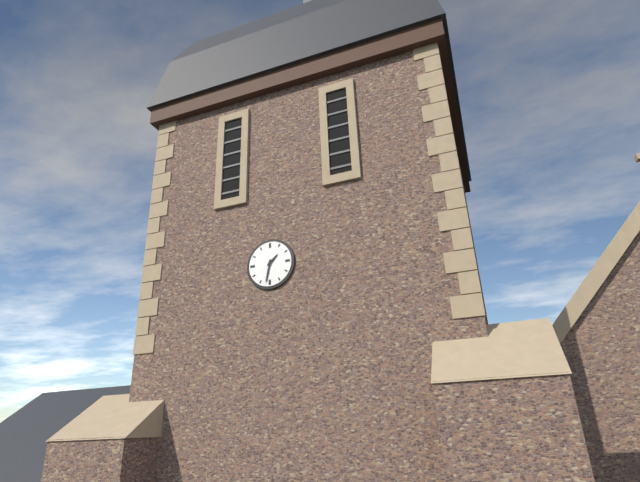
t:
1,32
